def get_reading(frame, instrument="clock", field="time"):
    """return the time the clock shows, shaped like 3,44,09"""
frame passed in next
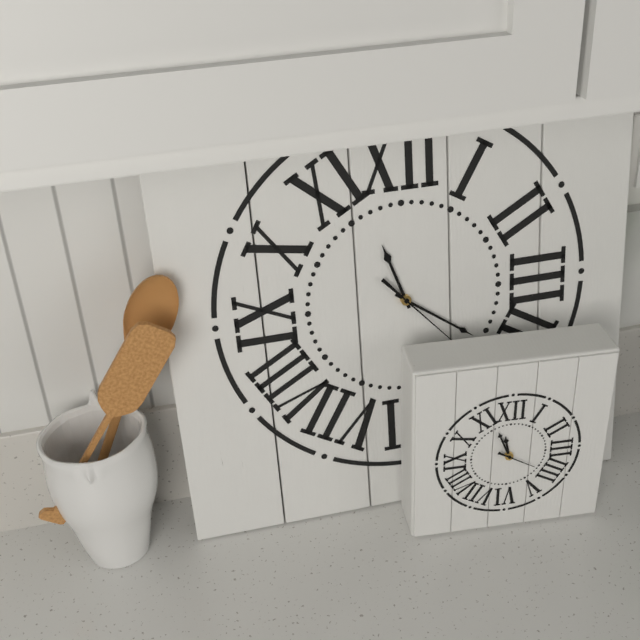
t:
11,21,23
